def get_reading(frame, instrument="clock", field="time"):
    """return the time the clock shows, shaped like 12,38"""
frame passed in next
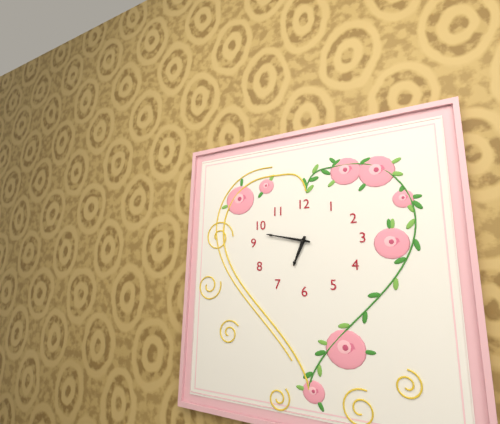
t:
6,47
